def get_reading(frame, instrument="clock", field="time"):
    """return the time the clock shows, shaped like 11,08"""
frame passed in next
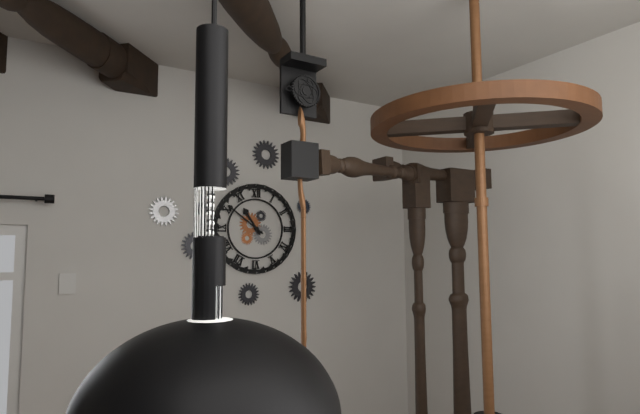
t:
10,51
